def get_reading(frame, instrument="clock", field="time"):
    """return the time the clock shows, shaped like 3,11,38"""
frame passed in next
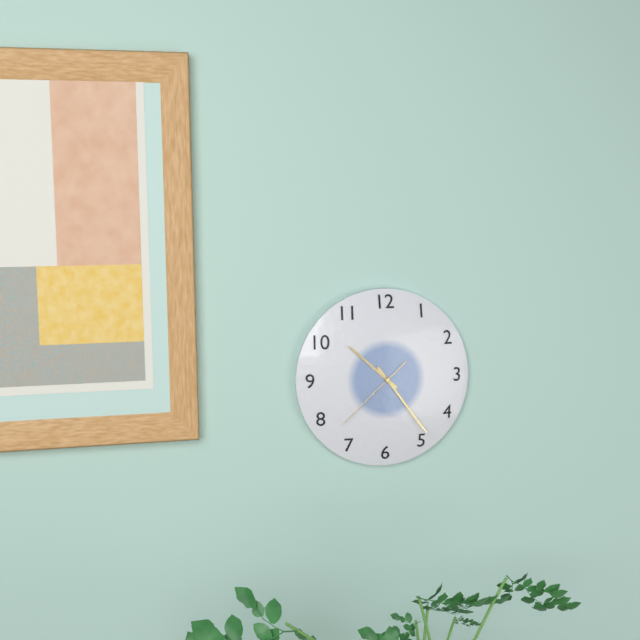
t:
10,24,38
